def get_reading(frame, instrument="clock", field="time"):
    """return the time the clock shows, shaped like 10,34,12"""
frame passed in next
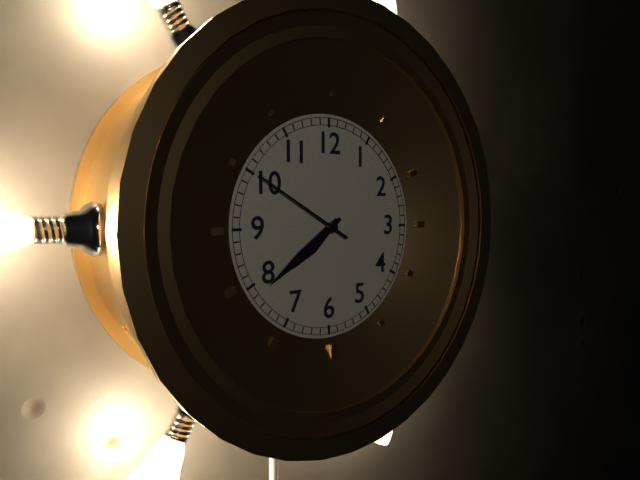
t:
7,39,50
